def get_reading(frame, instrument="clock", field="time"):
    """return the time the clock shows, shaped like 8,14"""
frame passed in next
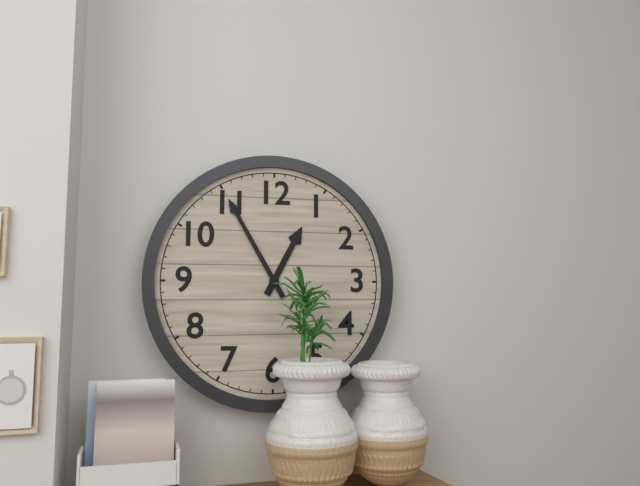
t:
12,55
